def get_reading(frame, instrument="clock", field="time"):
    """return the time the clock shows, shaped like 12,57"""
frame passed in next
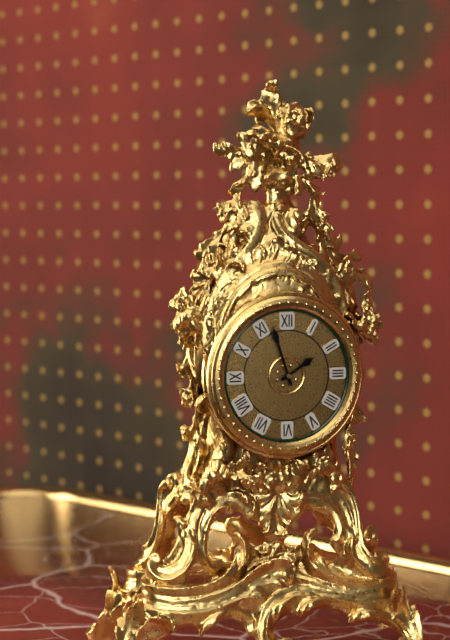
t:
1,57
